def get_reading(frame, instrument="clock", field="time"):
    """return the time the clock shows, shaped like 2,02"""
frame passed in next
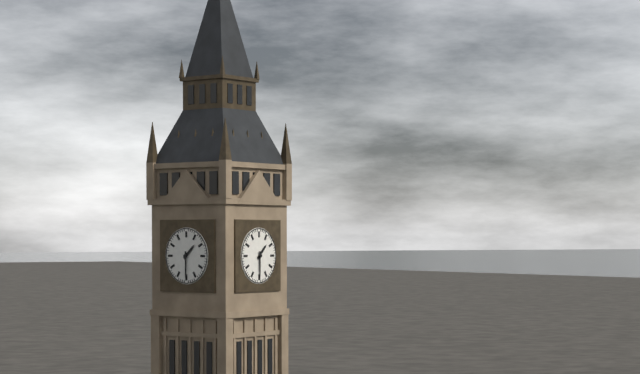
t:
1,30
